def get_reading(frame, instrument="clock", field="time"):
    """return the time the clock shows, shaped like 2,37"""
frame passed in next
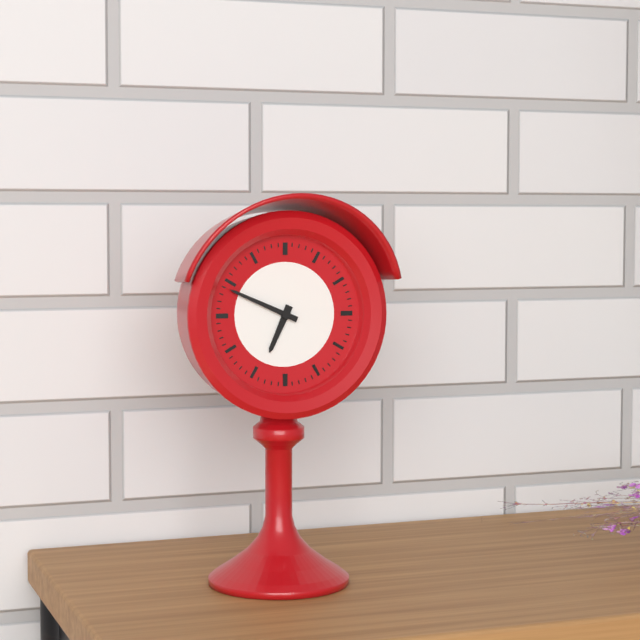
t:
6,49
